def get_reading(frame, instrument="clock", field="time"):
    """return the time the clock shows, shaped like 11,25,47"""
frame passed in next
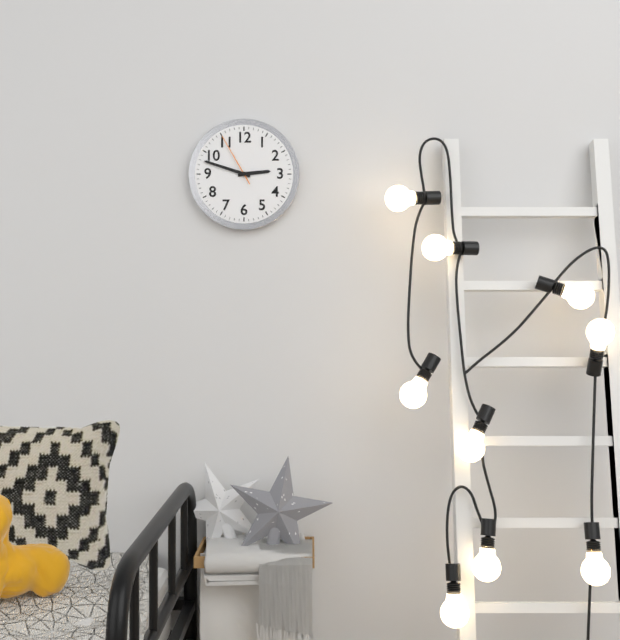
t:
2,48,55
